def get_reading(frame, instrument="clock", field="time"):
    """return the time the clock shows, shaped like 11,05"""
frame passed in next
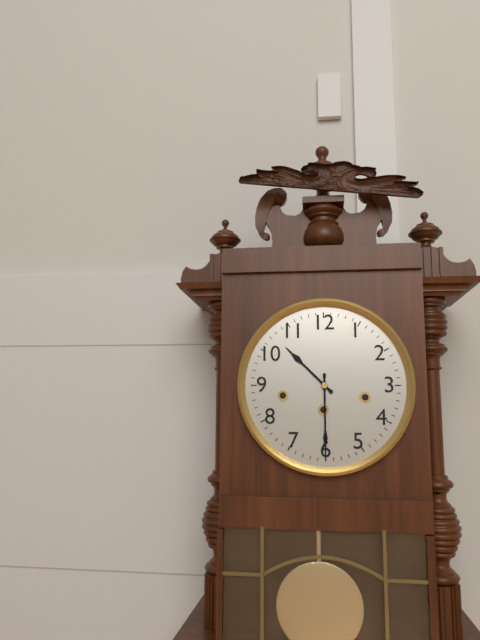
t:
10,30
